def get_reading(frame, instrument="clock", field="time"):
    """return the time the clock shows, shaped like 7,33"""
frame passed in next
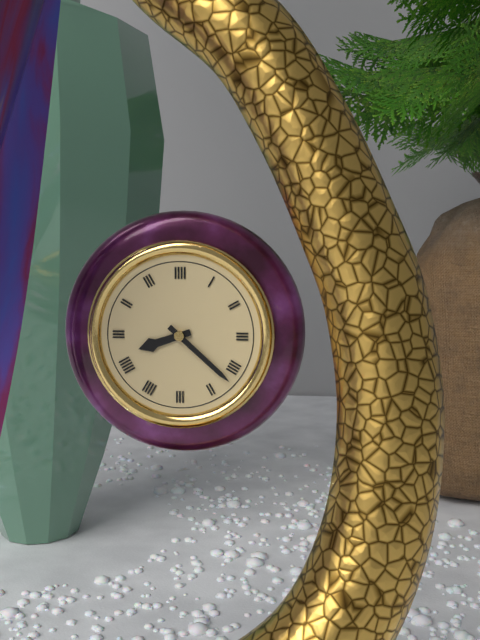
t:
8,22
